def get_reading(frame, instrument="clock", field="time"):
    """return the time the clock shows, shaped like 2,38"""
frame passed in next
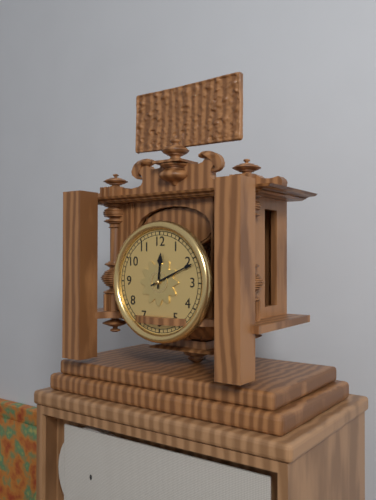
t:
12,11
